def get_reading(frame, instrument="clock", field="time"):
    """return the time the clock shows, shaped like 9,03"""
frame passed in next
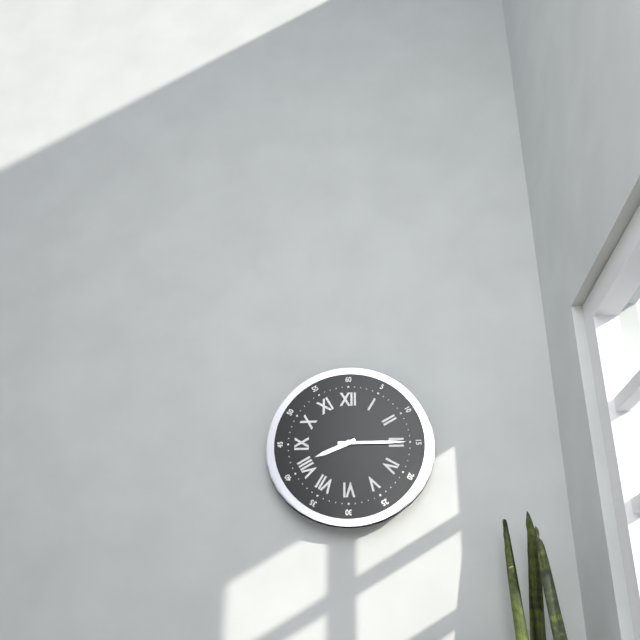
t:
8,15
